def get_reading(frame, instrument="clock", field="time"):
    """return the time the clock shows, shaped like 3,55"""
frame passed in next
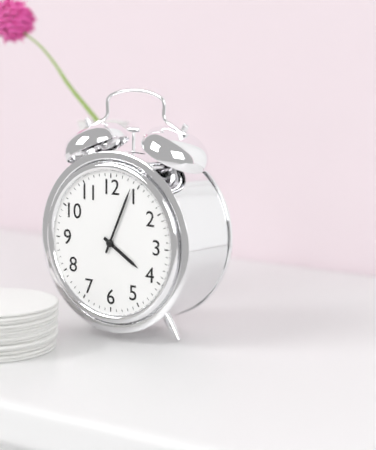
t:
4,04
